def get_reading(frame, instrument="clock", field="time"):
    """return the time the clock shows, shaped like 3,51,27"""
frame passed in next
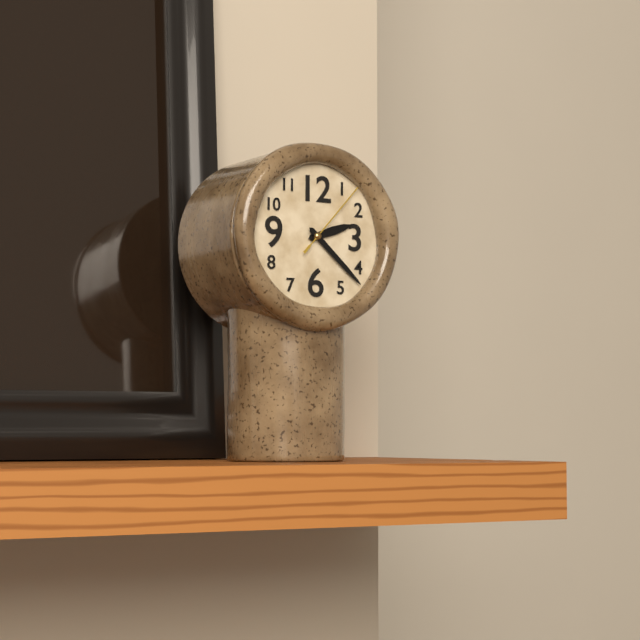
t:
2,22,07
